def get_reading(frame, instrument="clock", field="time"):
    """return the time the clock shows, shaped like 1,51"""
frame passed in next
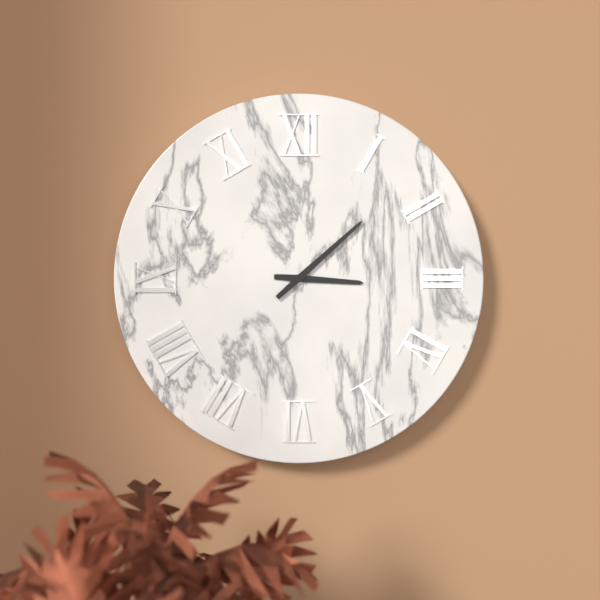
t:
3,08
